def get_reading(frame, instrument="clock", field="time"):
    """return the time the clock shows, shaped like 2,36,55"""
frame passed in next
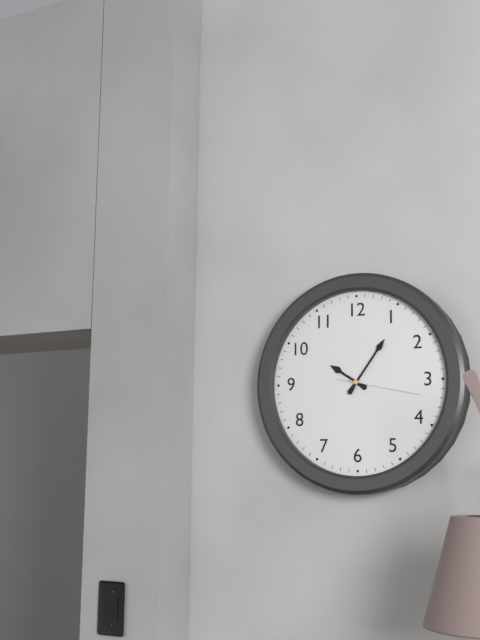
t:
10,06,17
